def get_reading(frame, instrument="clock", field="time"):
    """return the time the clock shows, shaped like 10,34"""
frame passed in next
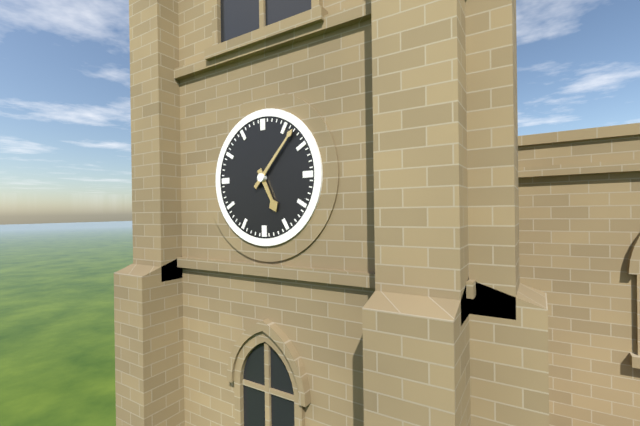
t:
5,07
